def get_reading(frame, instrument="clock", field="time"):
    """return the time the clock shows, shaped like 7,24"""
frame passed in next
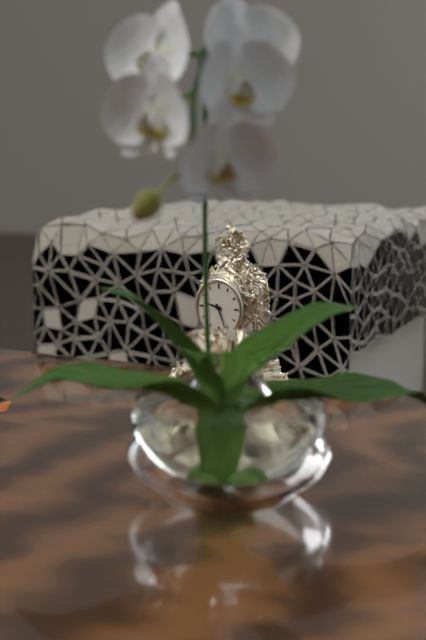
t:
9,26
